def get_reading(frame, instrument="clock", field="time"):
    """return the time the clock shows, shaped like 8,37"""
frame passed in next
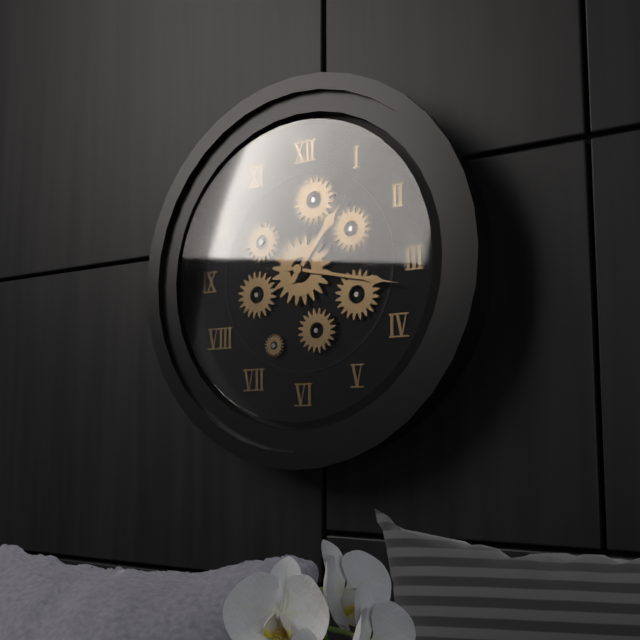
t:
1,17
